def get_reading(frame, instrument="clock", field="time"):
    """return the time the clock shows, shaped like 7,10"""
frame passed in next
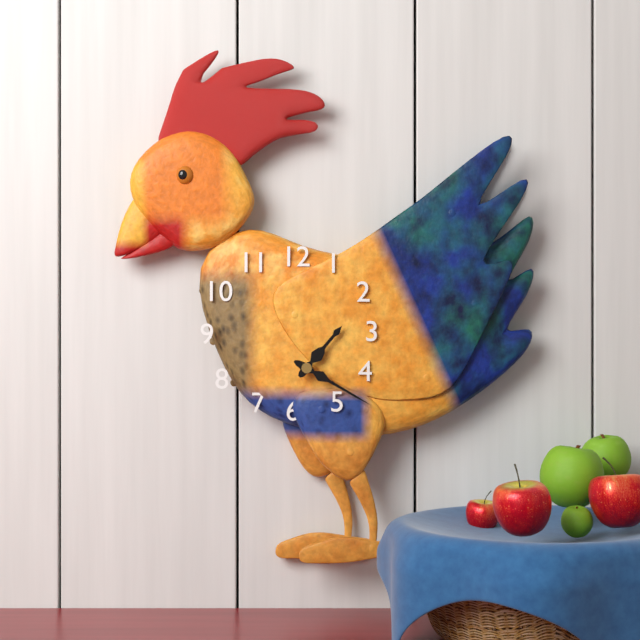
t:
1,20
